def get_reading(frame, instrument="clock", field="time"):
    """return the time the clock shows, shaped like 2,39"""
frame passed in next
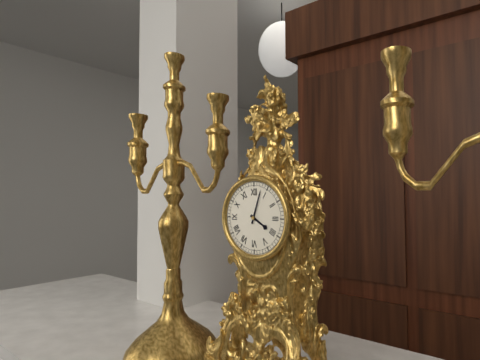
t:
4,03
